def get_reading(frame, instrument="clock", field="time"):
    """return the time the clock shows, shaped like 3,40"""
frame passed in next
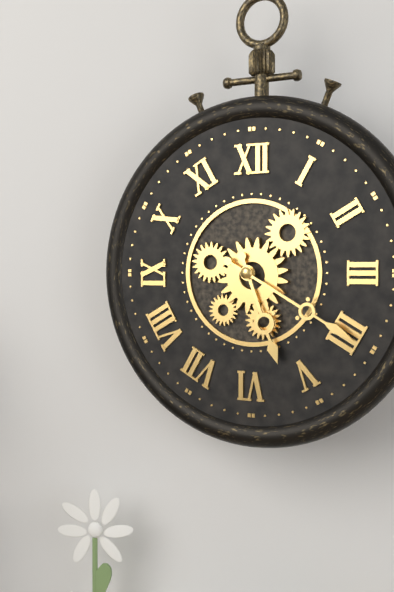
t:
5,20
